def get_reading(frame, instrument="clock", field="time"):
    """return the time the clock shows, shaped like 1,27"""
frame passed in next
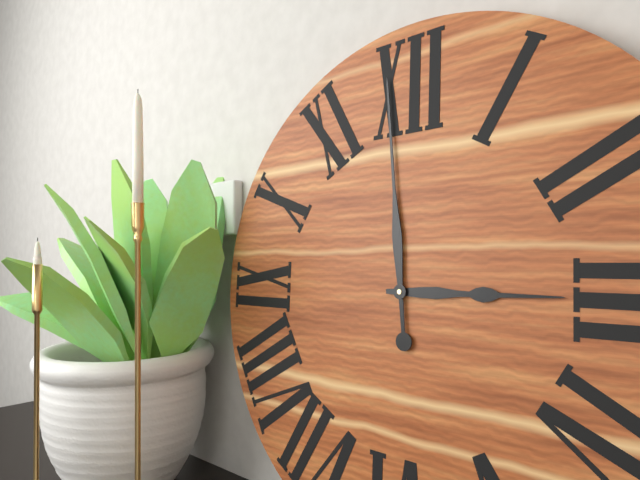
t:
2,59
